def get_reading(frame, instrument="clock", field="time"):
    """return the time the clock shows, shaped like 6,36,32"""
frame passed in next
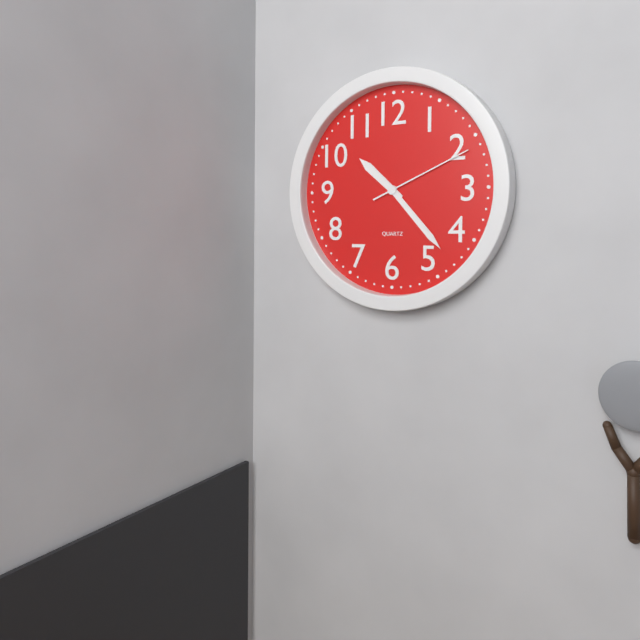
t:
10,23,11
